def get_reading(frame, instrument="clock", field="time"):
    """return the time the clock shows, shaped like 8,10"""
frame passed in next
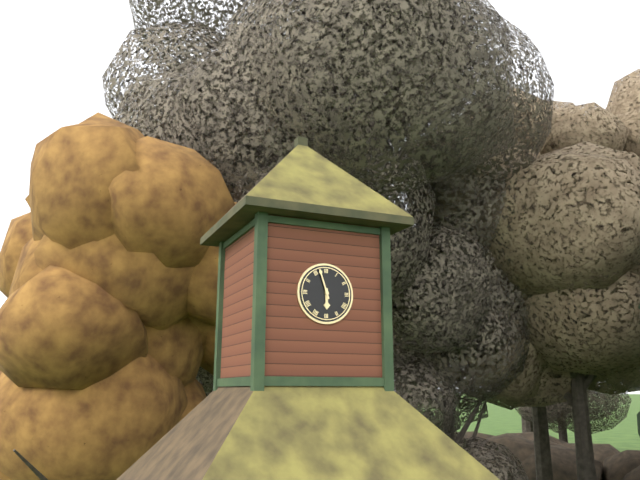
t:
5,57
